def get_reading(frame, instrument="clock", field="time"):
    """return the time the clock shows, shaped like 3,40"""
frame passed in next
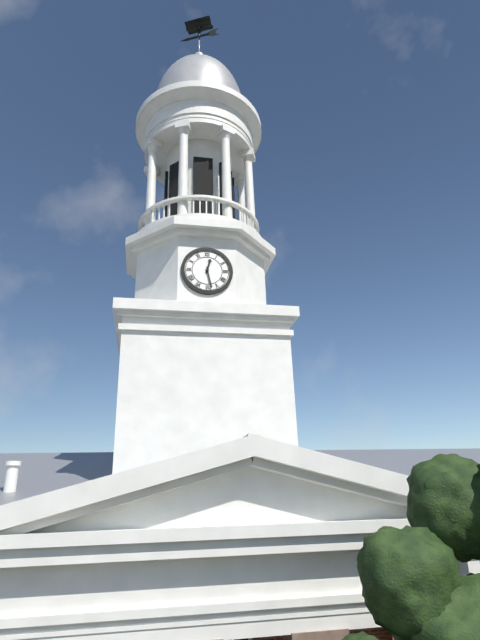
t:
12,28
